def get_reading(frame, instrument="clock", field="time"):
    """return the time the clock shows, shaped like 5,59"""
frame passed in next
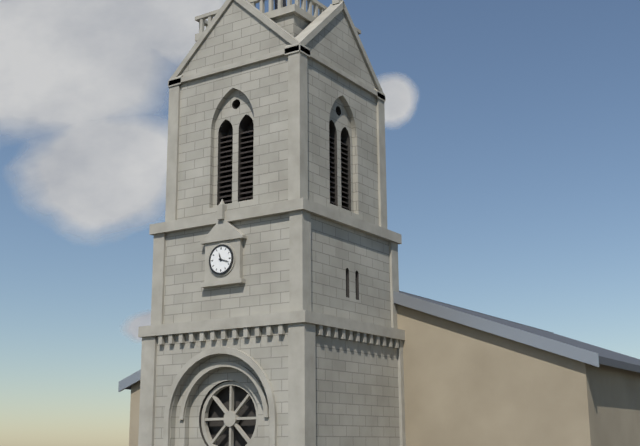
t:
11,18
